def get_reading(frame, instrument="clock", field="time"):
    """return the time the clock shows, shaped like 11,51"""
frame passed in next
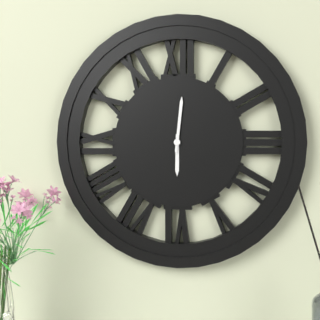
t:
6,01
